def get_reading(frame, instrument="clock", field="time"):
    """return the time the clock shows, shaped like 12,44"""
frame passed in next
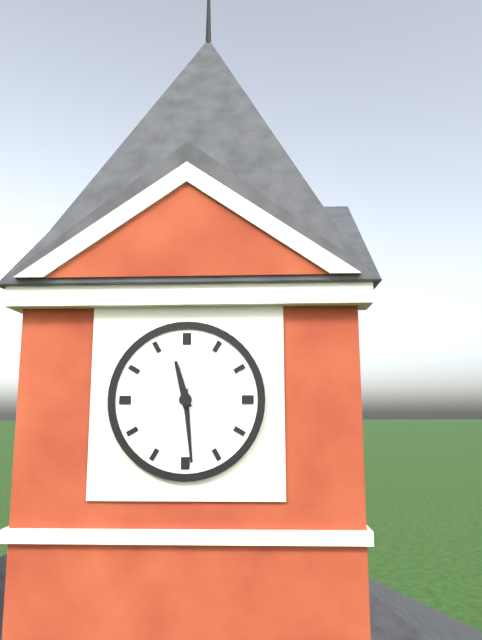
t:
11,29
